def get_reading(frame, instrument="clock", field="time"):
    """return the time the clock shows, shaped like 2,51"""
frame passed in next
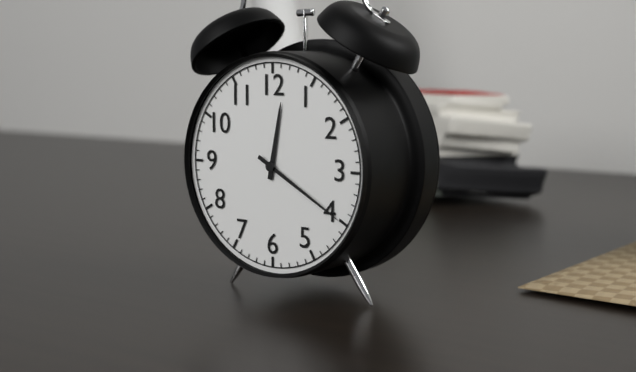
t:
12,20
